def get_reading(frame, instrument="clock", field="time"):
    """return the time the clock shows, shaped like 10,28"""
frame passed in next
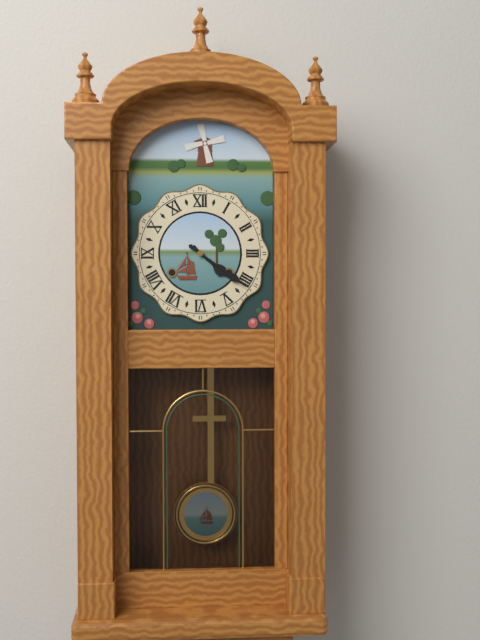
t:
4,21
